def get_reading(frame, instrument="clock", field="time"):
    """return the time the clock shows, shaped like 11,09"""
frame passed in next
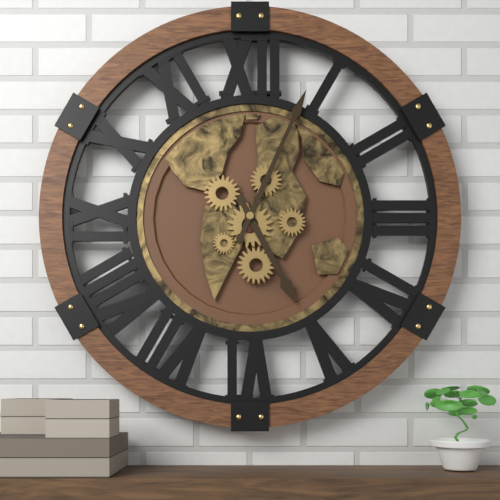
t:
5,04
